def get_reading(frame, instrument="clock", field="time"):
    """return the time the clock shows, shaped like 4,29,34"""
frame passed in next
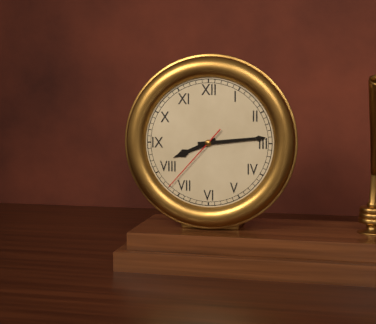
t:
8,14,37
